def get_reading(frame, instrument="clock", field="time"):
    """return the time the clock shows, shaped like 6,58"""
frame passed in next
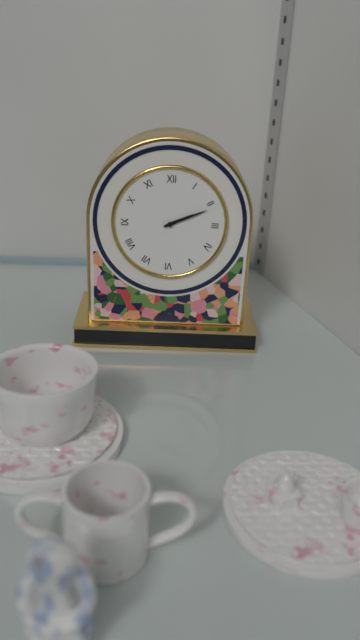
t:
2,11
